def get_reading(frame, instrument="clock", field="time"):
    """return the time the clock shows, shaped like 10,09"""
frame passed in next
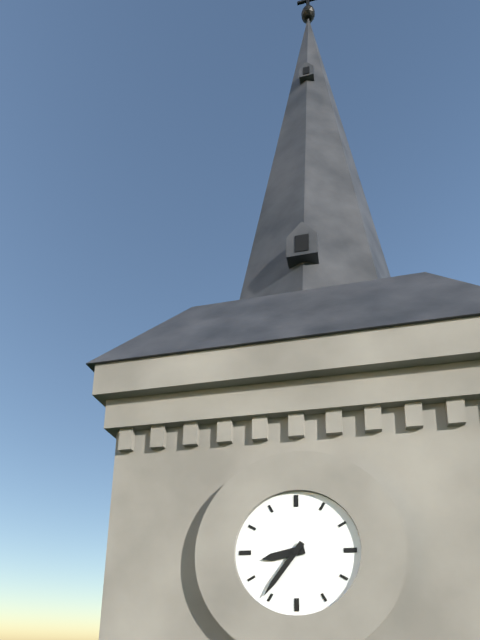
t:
8,36
